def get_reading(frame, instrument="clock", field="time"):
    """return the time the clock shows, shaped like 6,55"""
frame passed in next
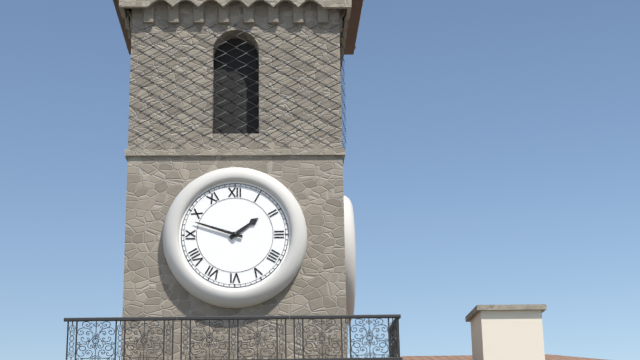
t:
1,48
